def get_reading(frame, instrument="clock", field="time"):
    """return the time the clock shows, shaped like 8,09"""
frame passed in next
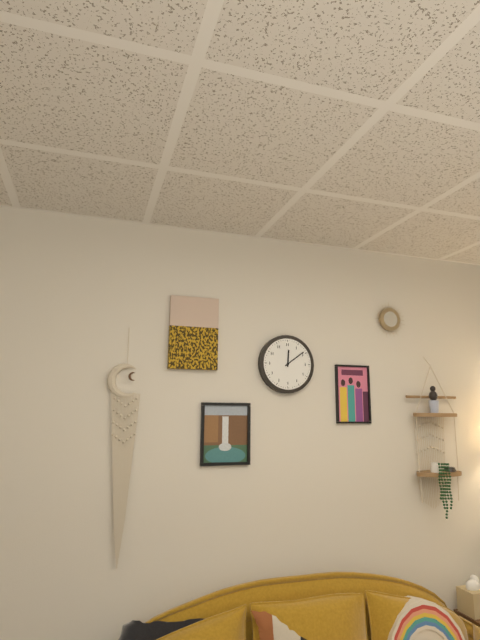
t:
12,09
